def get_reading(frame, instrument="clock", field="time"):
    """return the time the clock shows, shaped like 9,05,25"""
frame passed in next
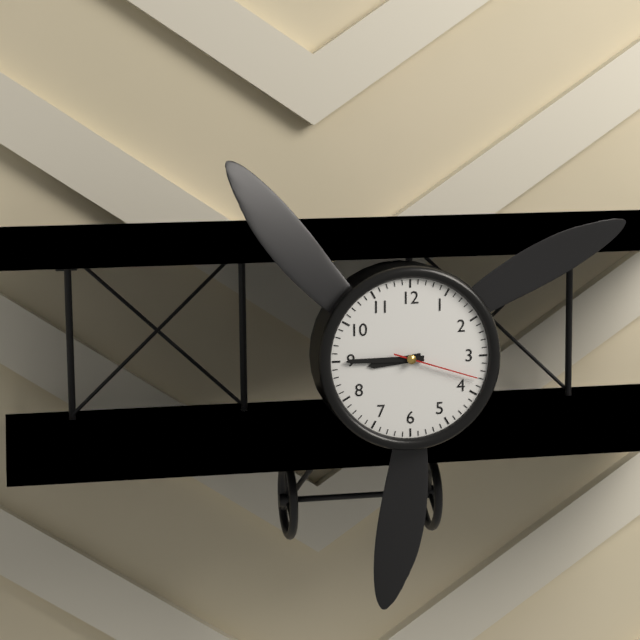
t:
8,45,18
